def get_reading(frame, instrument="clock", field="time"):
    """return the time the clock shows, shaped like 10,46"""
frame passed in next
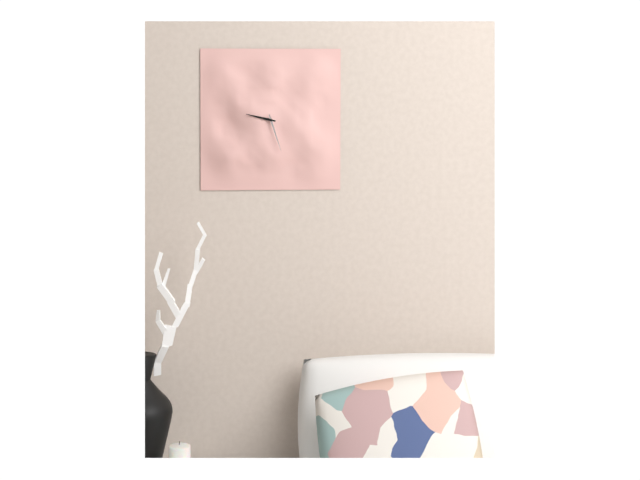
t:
9,27
